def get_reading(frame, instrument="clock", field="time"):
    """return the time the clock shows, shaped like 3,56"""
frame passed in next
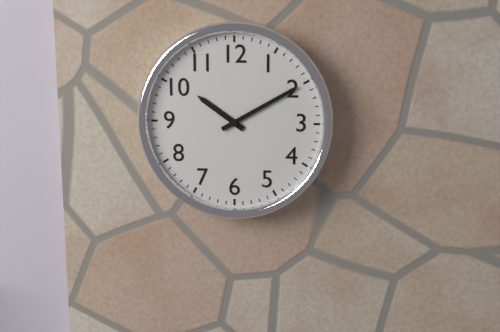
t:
10,10
